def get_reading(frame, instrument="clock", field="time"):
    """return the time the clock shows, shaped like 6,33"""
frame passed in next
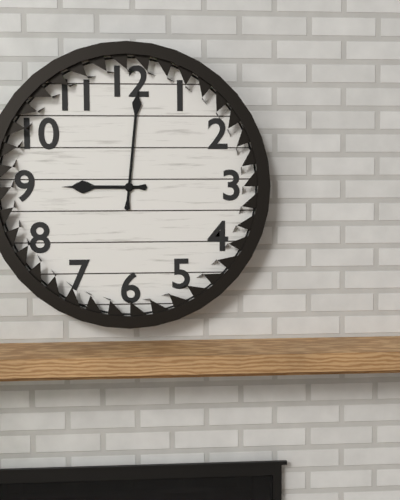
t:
9,01
